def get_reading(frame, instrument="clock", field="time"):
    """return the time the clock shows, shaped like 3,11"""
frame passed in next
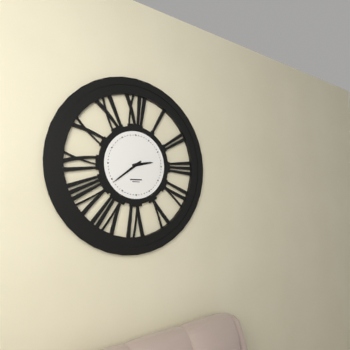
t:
2,39
